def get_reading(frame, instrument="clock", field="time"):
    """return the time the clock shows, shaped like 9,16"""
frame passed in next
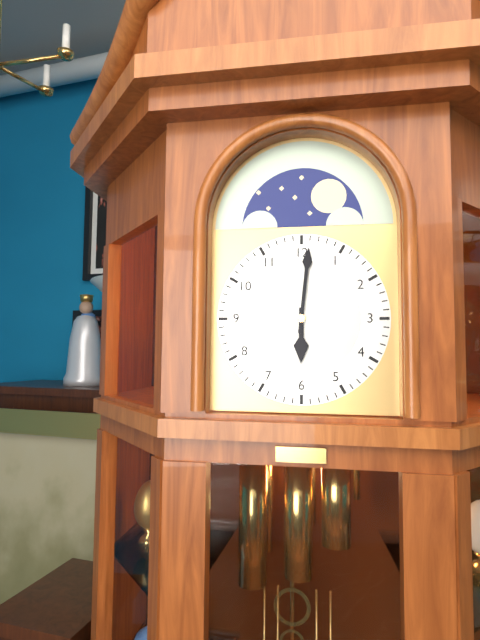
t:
6,01
